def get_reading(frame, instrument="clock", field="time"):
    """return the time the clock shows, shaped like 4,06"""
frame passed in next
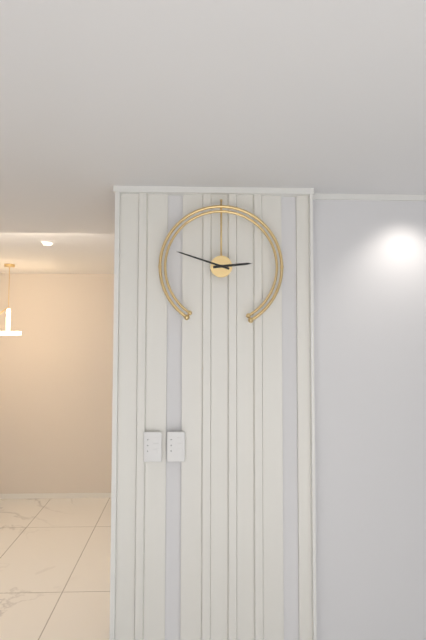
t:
2,48
